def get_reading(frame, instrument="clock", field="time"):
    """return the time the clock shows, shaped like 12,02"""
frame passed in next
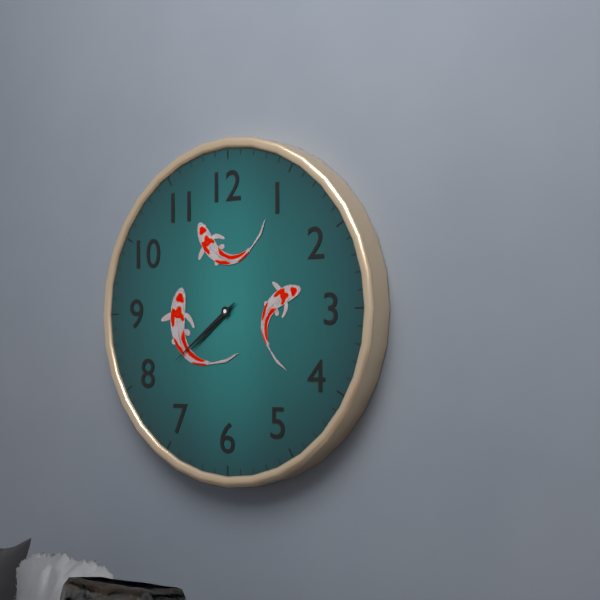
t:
7,39
